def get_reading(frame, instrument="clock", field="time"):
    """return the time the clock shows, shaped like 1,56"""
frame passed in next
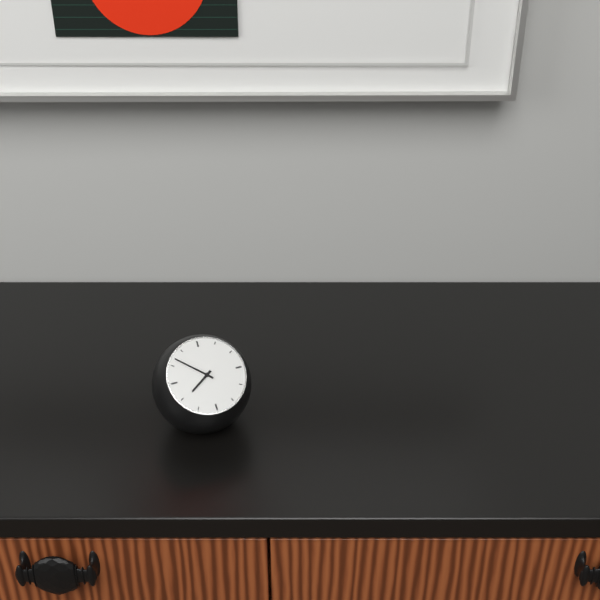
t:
7,52
